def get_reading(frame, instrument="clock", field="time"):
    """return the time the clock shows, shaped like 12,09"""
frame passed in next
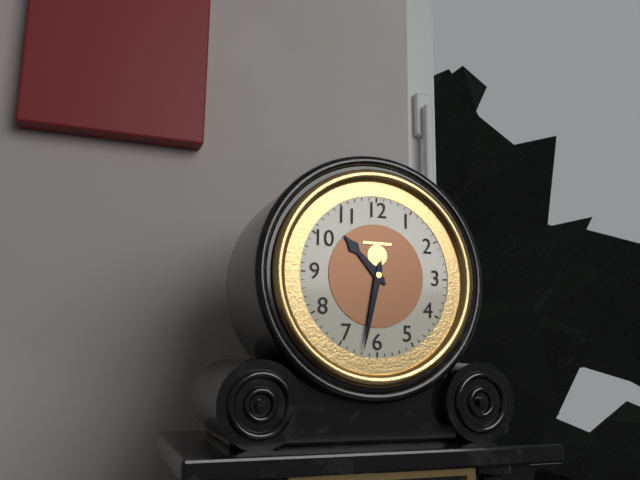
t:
10,32
